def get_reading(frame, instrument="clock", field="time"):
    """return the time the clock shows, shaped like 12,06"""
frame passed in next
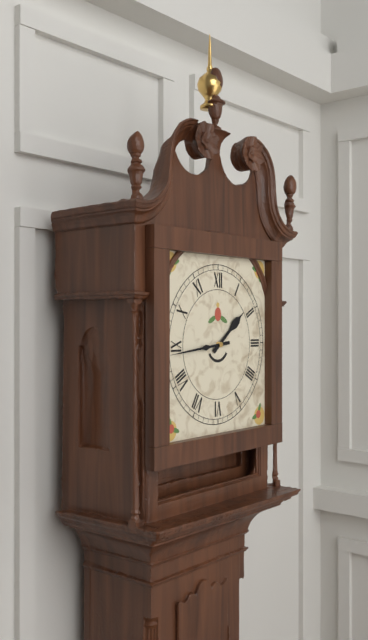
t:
1,44
